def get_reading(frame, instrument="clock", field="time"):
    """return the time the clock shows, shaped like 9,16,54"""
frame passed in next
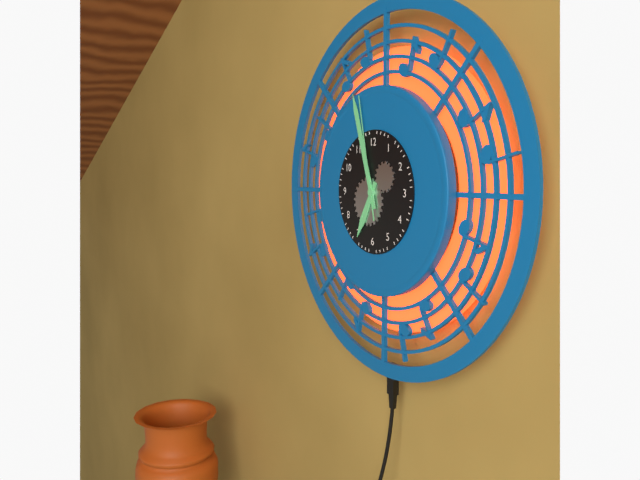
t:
6,57,58
